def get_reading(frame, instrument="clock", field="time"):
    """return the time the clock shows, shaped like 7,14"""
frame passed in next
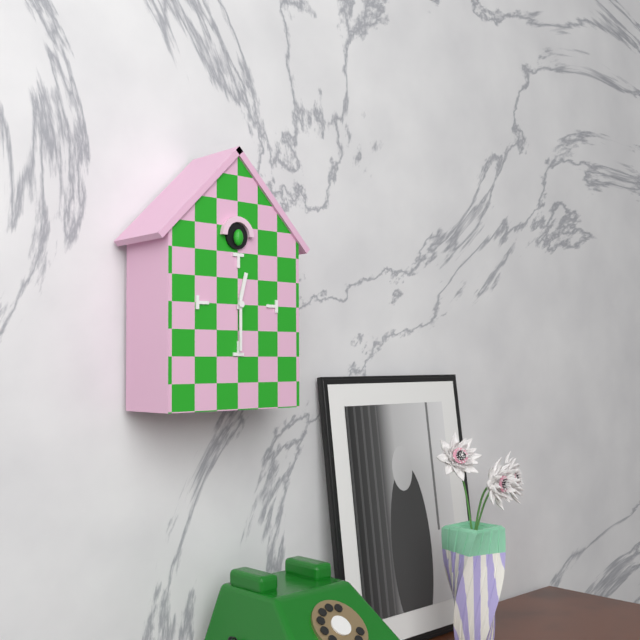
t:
12,30
